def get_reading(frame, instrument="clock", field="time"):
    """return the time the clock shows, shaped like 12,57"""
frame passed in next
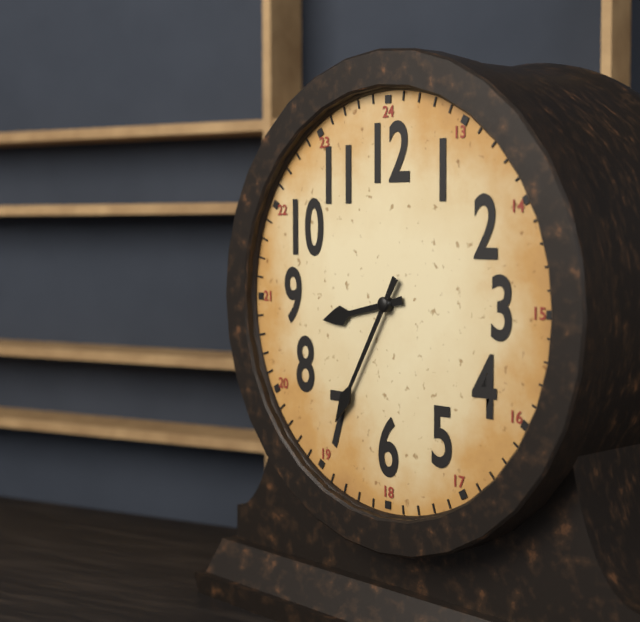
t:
8,35
